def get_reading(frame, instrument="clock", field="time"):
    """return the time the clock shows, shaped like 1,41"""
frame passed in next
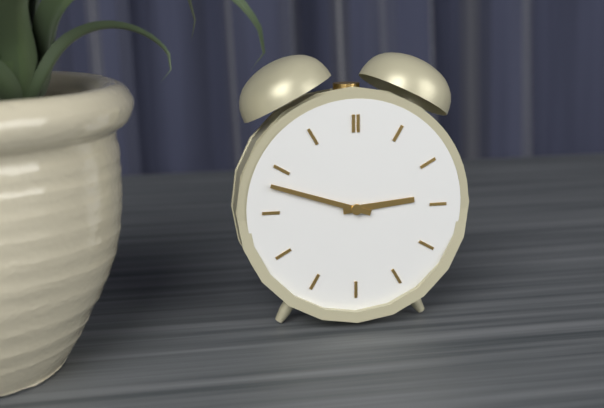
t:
2,48
